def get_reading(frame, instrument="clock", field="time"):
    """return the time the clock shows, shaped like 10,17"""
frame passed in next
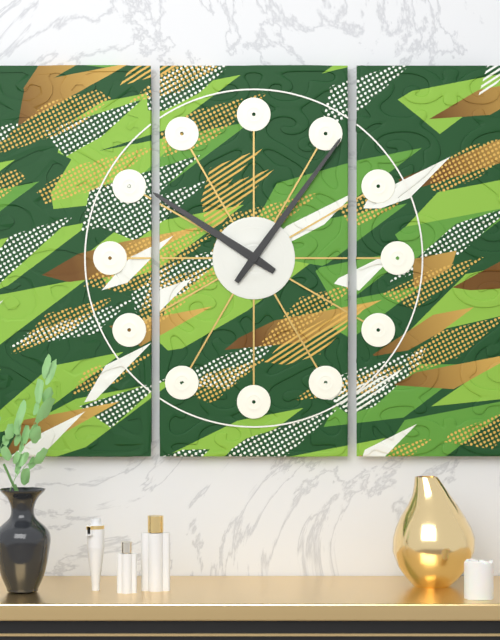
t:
10,06
